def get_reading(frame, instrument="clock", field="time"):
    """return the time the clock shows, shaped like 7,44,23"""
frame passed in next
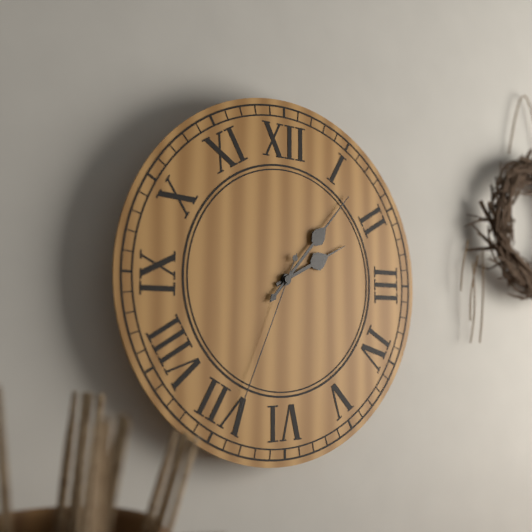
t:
2,07,34
